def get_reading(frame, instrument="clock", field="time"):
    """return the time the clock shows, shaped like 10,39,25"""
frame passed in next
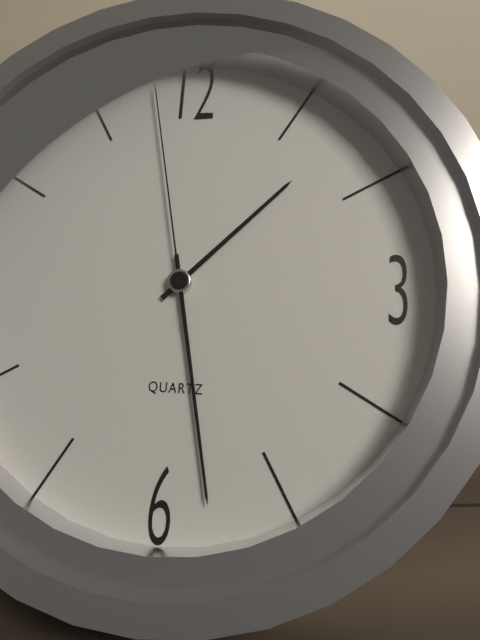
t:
1,28,58
